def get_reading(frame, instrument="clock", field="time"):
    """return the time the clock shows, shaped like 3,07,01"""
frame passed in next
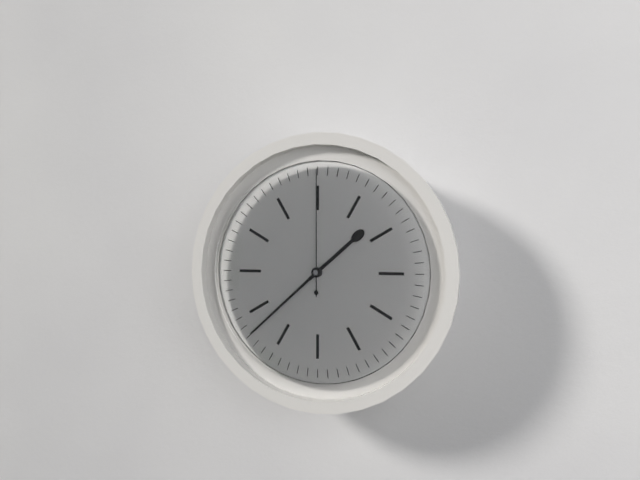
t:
1,38,00
